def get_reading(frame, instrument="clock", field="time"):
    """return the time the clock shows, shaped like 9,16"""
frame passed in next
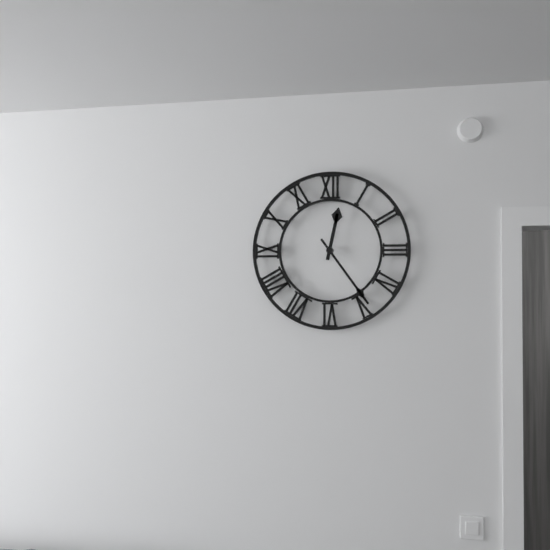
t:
12,24
